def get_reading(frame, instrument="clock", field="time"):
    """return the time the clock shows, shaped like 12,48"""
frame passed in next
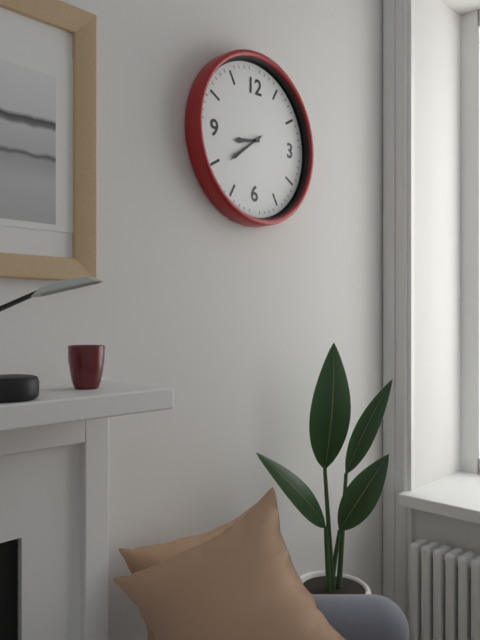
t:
8,39
